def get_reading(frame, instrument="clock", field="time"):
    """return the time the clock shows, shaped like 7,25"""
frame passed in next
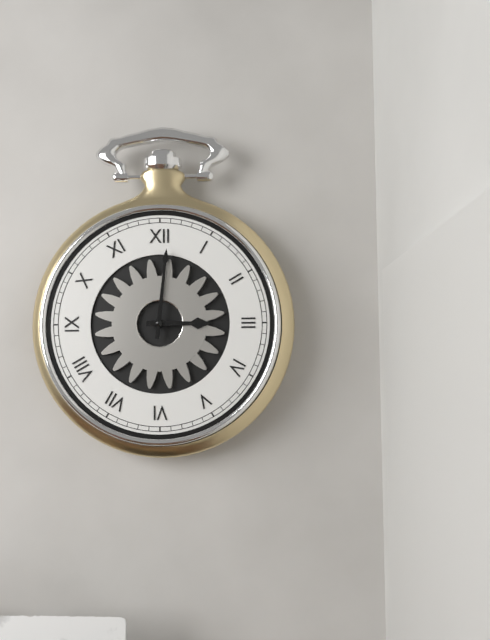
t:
3,01
